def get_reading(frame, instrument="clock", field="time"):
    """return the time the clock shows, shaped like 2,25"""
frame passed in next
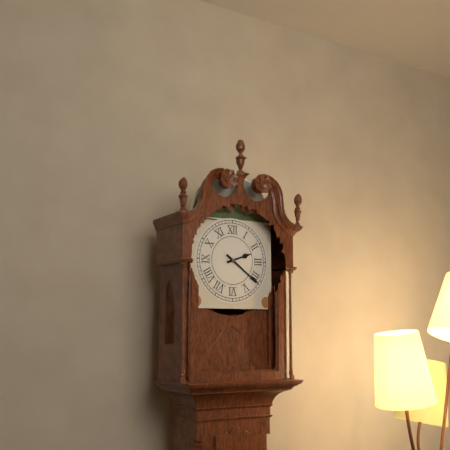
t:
2,21
